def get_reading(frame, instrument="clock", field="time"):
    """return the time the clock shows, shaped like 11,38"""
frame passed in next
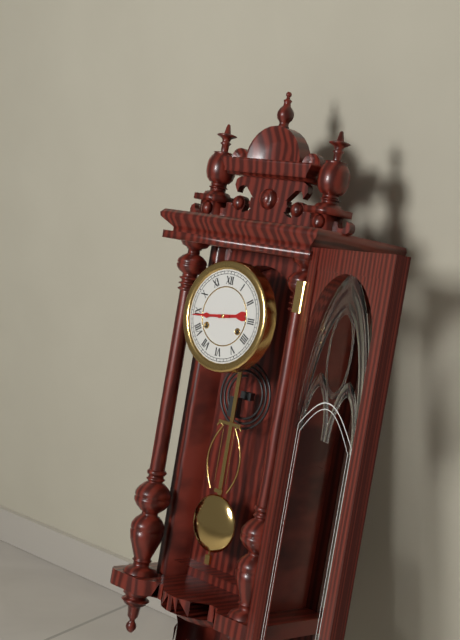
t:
2,44
